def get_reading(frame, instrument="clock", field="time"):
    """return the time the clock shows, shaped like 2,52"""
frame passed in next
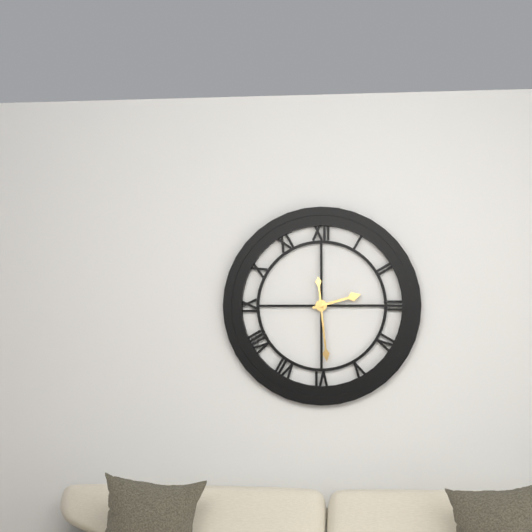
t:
2,29
